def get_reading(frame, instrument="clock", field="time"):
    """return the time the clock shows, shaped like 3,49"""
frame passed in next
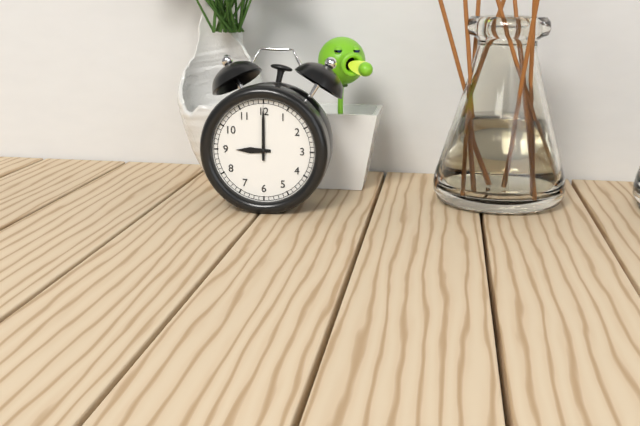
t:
9,00
